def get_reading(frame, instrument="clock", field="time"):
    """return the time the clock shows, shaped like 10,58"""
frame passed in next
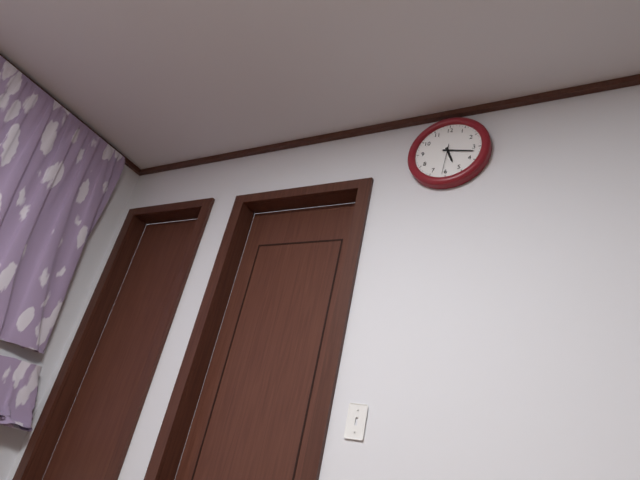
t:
5,17
